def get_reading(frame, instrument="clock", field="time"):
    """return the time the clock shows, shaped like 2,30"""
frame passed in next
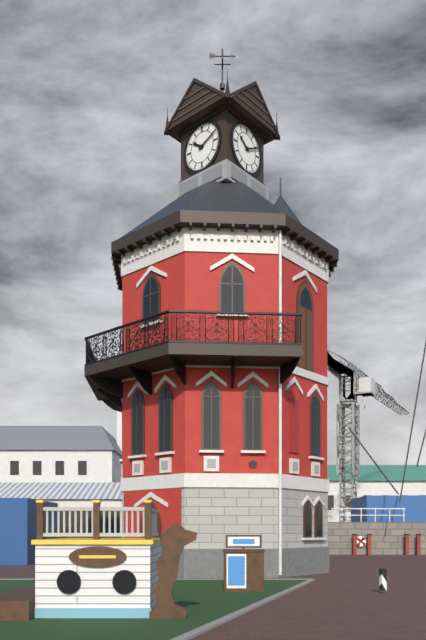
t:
10,11
